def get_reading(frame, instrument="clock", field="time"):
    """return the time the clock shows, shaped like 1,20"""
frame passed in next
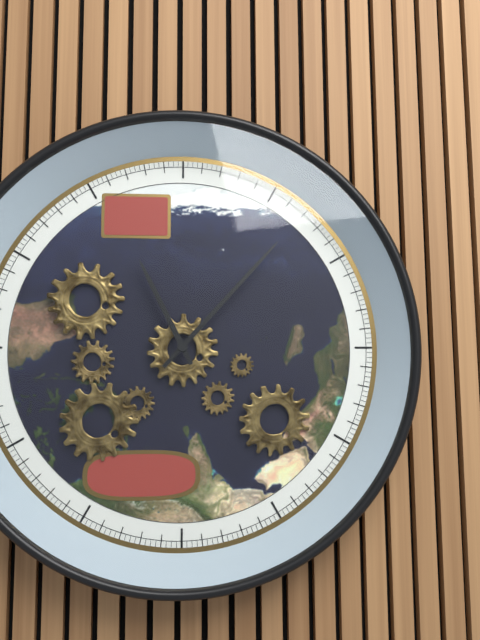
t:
11,07
